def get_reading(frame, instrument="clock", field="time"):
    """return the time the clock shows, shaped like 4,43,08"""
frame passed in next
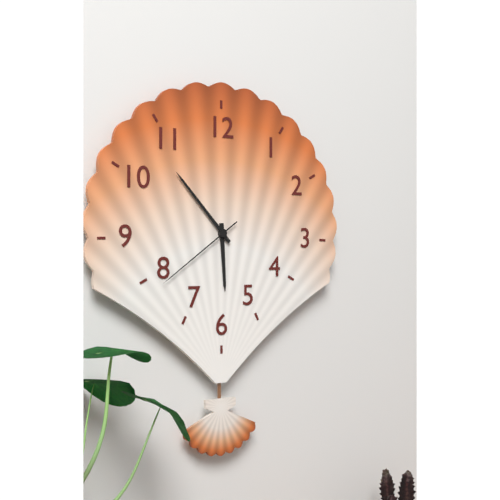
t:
5,53,39
